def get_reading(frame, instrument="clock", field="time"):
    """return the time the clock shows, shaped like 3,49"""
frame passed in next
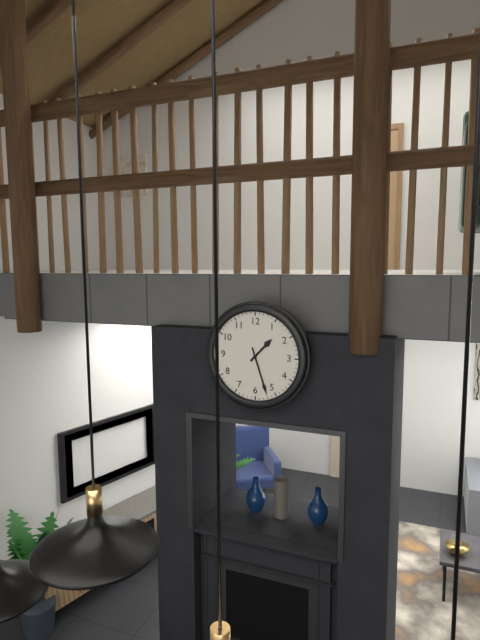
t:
1,27
